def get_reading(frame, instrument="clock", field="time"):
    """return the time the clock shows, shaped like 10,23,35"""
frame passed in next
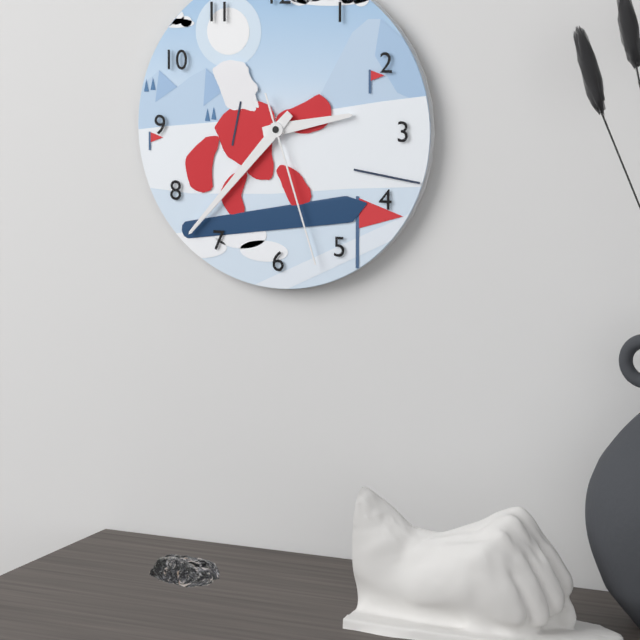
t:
2,37,27
